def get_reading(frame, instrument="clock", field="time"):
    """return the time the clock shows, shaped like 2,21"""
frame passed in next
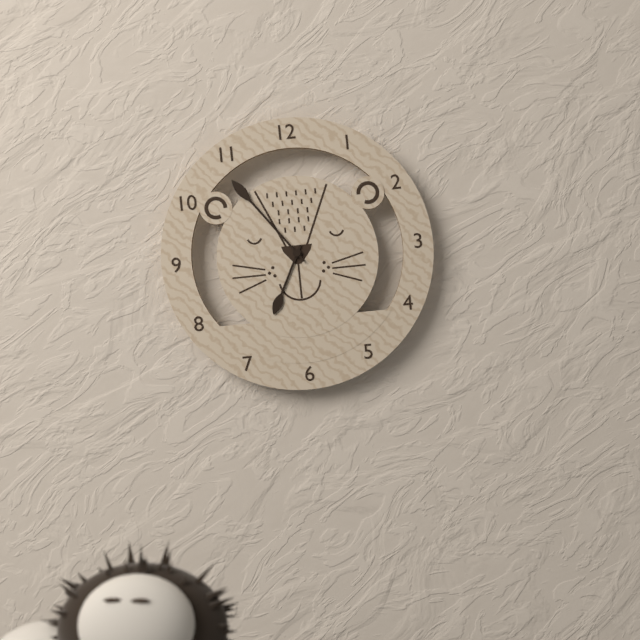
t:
6,54
